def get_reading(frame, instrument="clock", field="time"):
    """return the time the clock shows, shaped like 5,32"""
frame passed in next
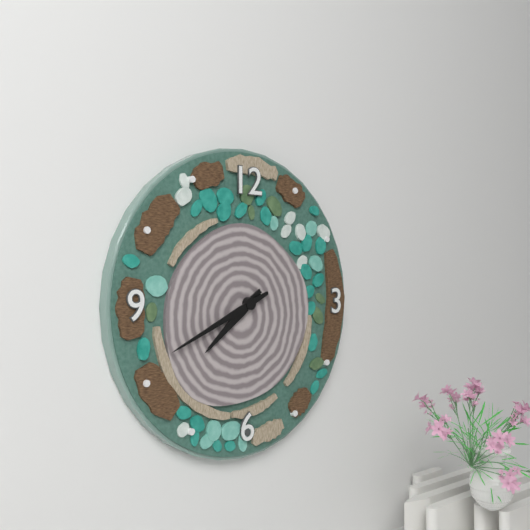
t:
7,41
